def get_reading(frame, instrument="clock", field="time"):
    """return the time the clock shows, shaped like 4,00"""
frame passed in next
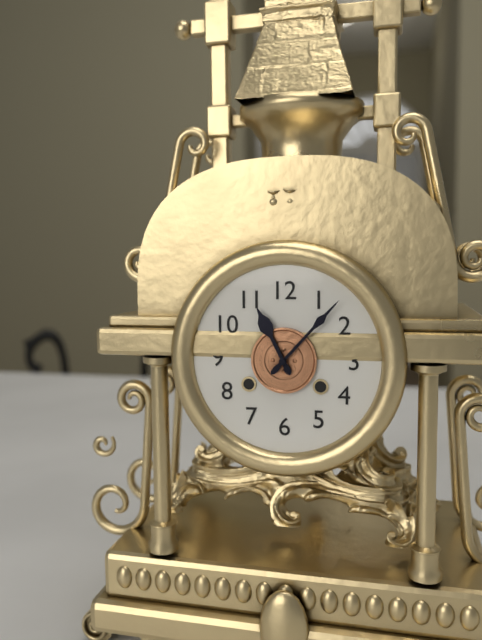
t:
11,07
